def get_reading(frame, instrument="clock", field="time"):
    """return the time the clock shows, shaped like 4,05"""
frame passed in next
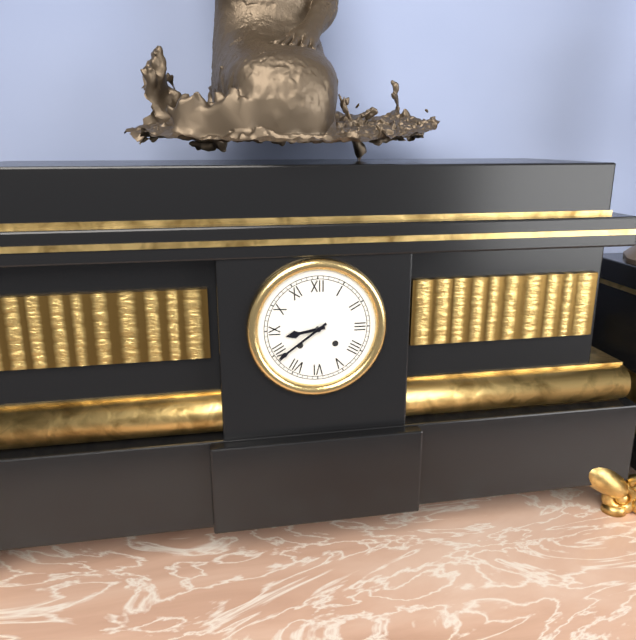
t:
8,39
